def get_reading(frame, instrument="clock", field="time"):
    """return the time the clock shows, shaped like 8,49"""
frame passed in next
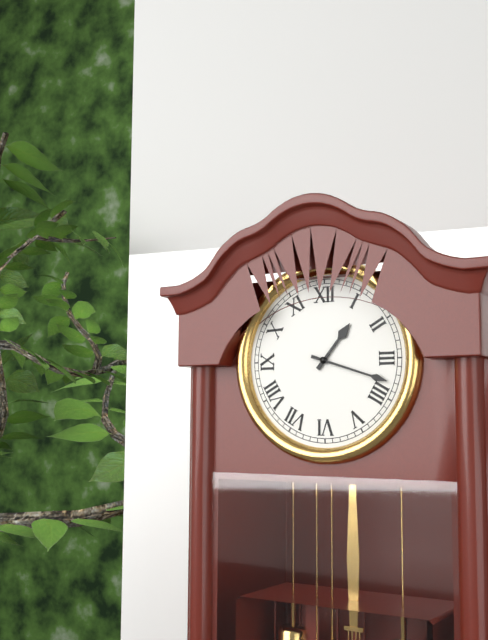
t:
1,18
